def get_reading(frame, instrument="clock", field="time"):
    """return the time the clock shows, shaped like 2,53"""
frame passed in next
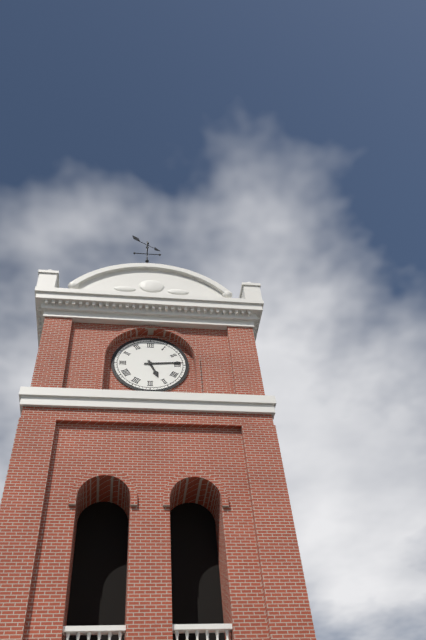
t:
5,14
